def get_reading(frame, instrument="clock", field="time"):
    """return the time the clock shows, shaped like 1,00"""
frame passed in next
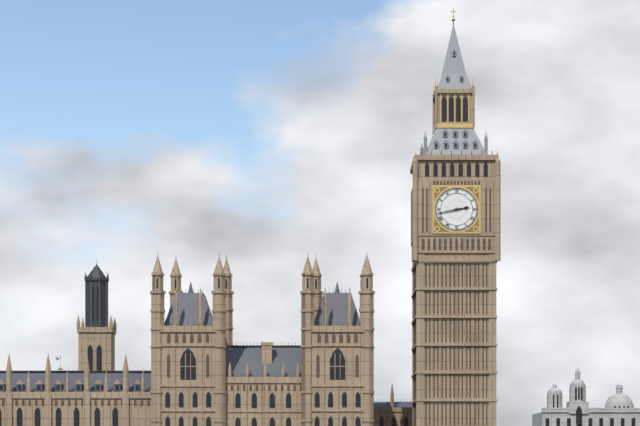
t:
2,43
